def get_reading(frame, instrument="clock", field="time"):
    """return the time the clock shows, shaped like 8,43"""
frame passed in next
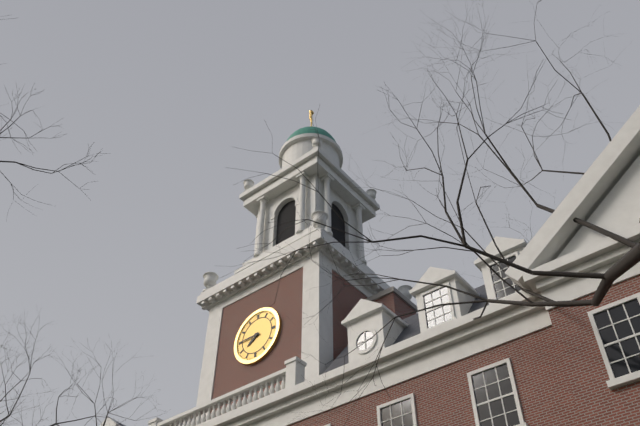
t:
7,45
